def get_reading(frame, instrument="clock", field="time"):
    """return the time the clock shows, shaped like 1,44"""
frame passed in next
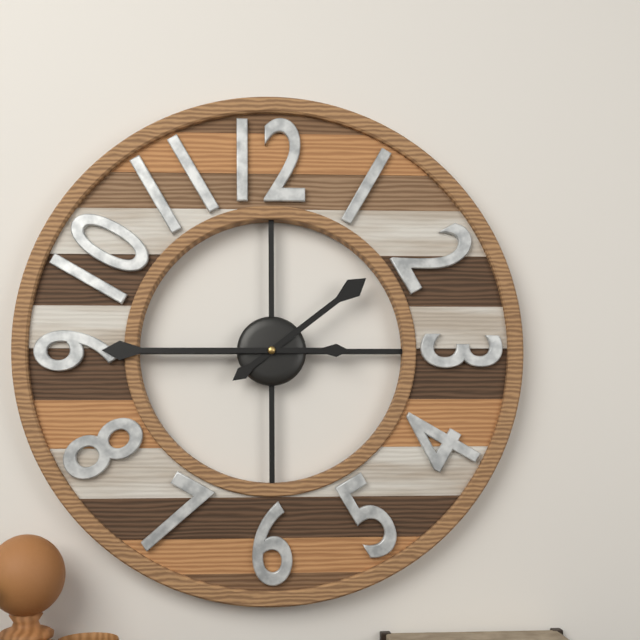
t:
1,45
